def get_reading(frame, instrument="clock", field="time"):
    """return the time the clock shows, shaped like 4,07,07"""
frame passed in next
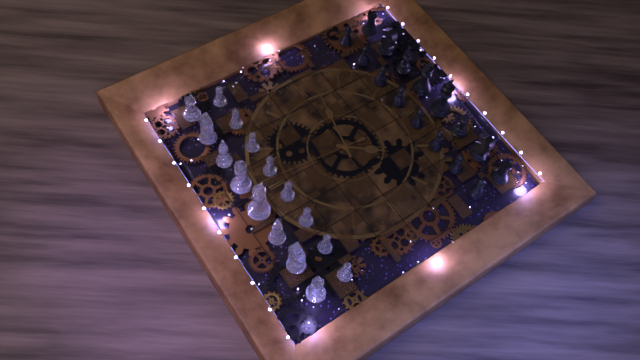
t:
7,17,01
